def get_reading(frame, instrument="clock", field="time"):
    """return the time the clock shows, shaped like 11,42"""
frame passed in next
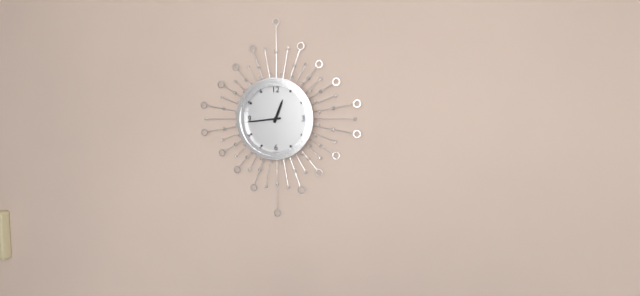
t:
12,44
